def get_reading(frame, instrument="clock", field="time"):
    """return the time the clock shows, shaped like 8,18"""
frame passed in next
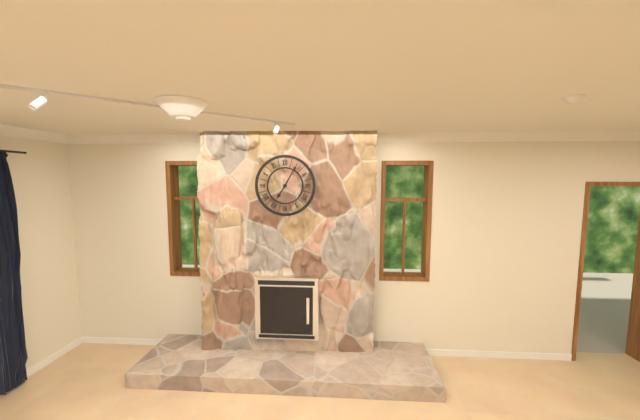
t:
7,05
